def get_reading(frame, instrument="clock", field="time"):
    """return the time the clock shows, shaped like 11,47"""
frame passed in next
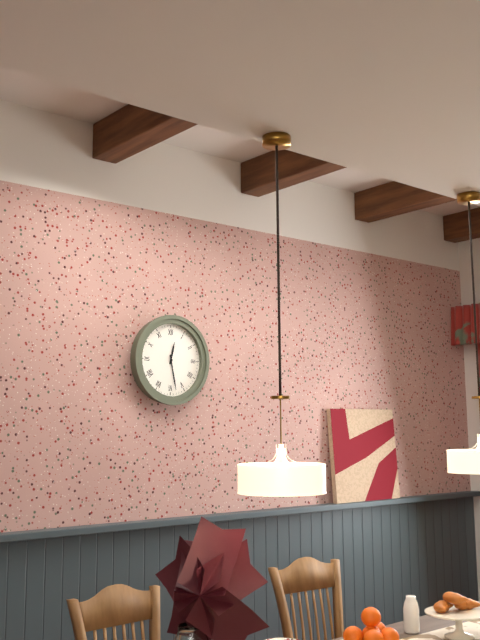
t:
12,28
